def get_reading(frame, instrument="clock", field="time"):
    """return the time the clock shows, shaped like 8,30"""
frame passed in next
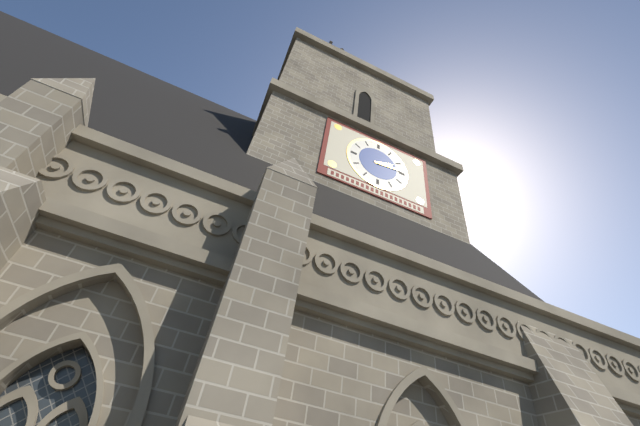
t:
2,14
